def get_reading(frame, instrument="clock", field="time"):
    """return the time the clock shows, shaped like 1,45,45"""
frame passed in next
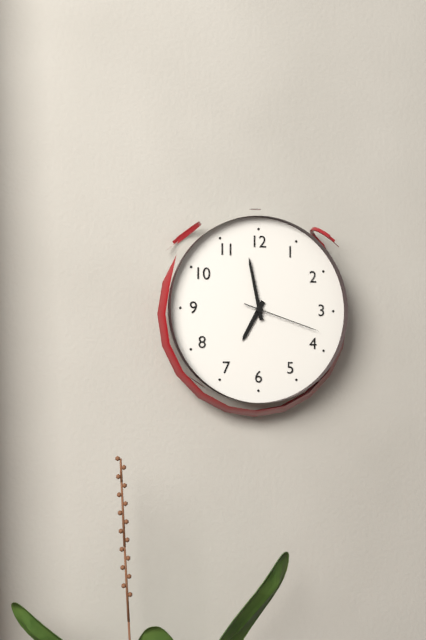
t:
6,58,18
